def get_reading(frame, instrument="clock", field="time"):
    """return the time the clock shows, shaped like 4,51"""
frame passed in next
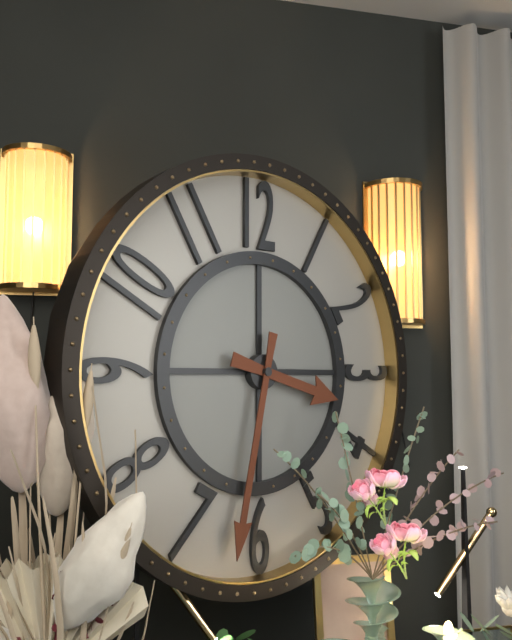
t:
3,32
